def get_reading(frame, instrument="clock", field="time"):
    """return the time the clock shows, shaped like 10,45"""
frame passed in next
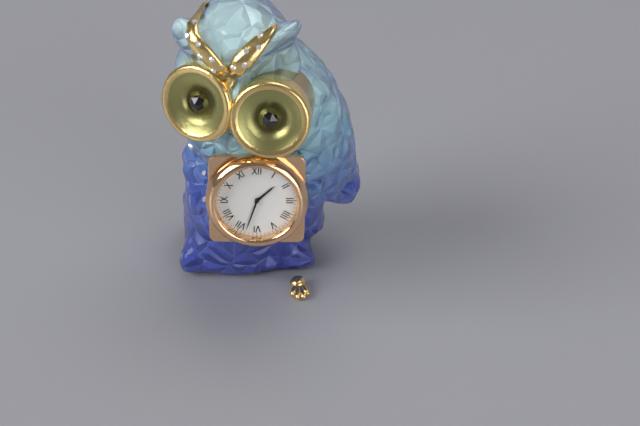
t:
1,33
